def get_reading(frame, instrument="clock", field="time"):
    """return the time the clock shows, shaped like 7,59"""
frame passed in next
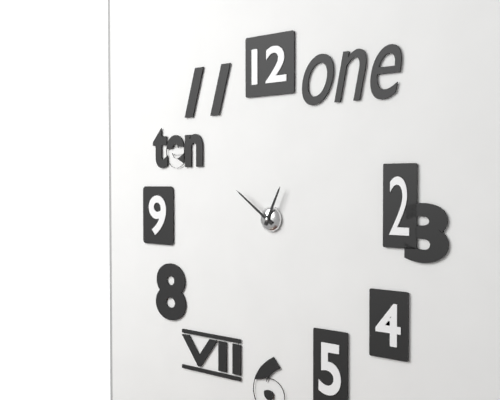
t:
12,51
